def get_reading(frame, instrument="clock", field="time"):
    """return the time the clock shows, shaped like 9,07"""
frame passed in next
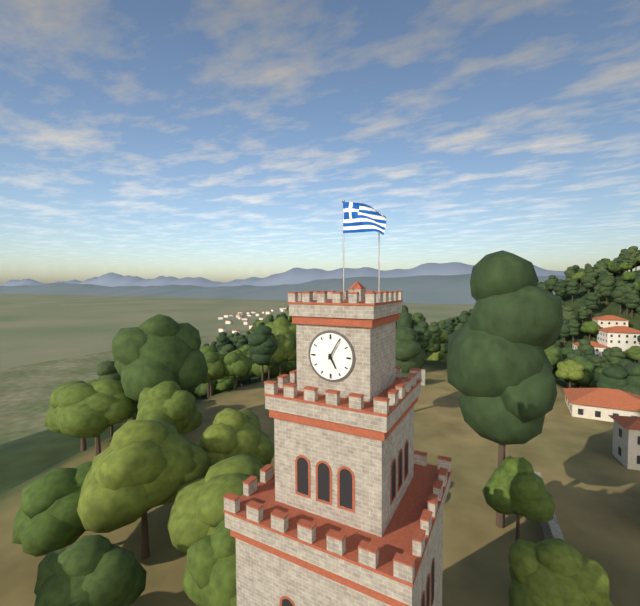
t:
5,05
